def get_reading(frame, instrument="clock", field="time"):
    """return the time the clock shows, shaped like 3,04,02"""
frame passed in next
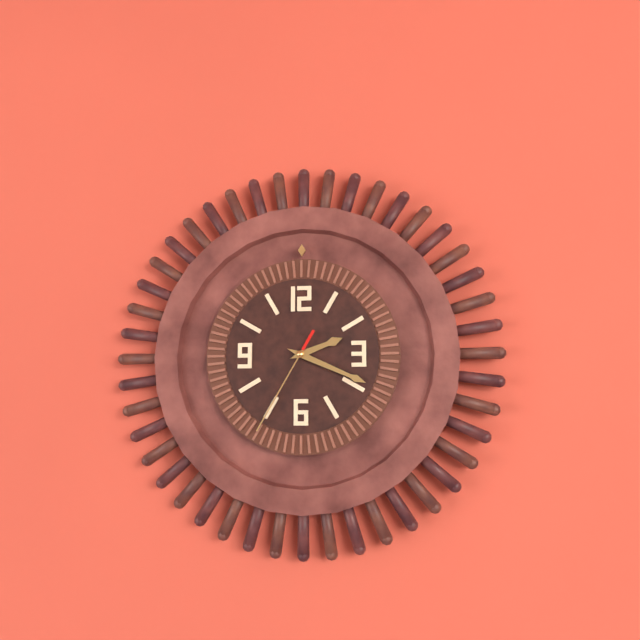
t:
2,19,35
